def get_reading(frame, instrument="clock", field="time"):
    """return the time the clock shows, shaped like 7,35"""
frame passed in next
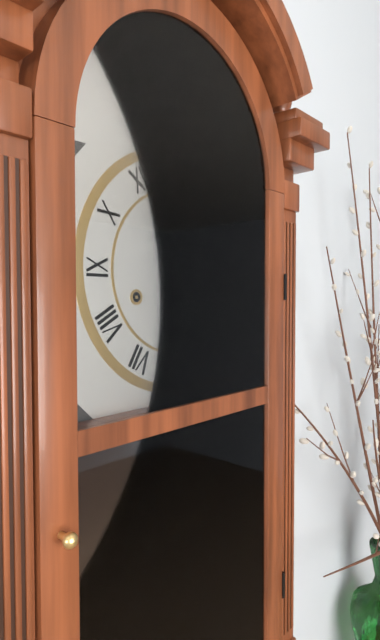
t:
5,02
